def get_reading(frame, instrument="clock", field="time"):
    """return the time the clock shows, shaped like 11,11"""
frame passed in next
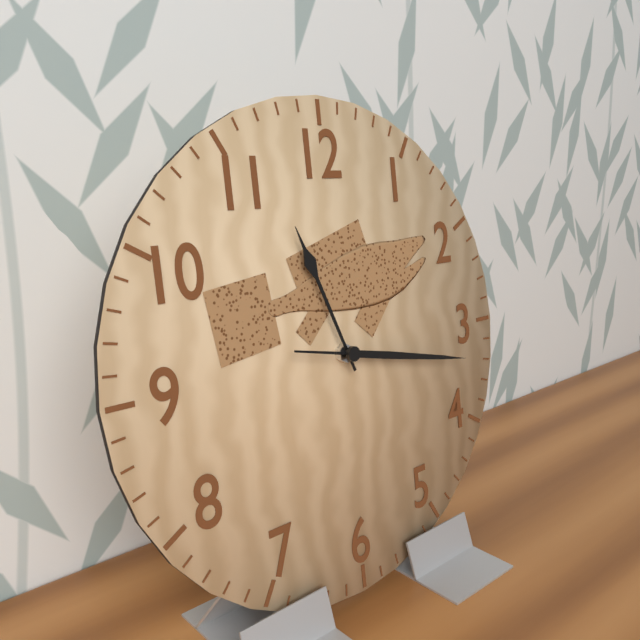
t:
11,17
